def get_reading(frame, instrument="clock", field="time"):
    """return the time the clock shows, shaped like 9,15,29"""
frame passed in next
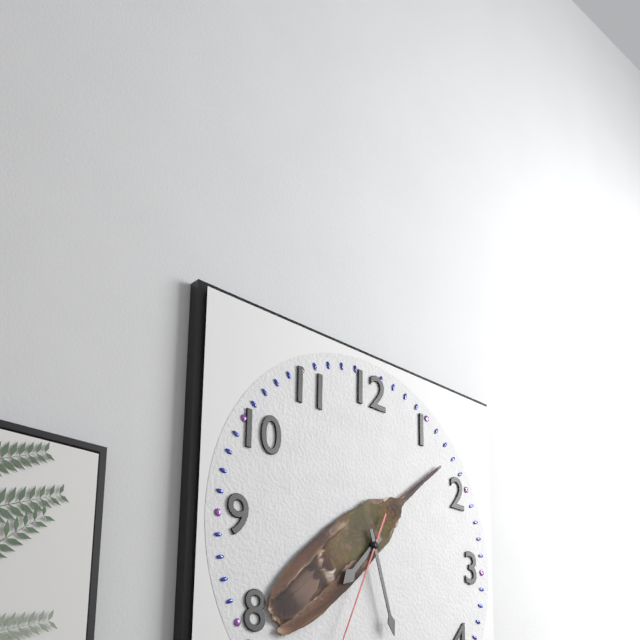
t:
7,27,34
